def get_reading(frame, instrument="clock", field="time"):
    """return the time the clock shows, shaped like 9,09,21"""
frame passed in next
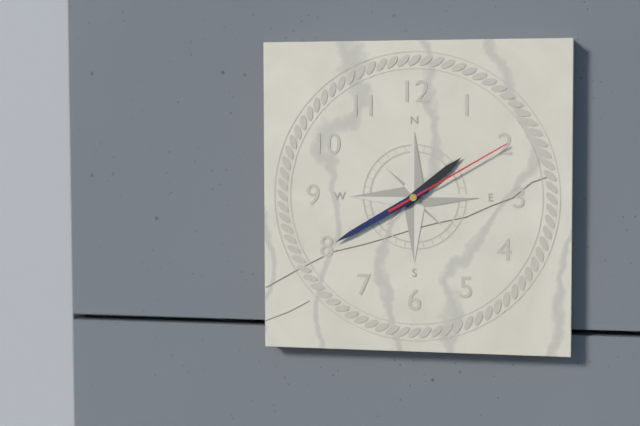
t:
1,40,10
